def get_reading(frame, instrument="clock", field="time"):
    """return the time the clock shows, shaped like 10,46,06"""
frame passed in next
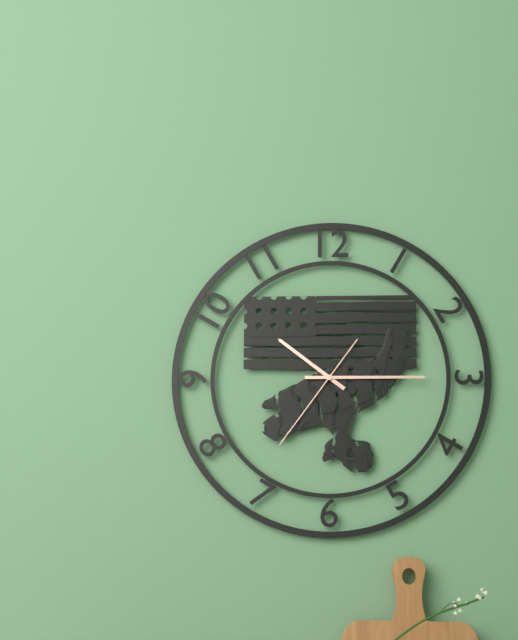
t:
10,15,36
